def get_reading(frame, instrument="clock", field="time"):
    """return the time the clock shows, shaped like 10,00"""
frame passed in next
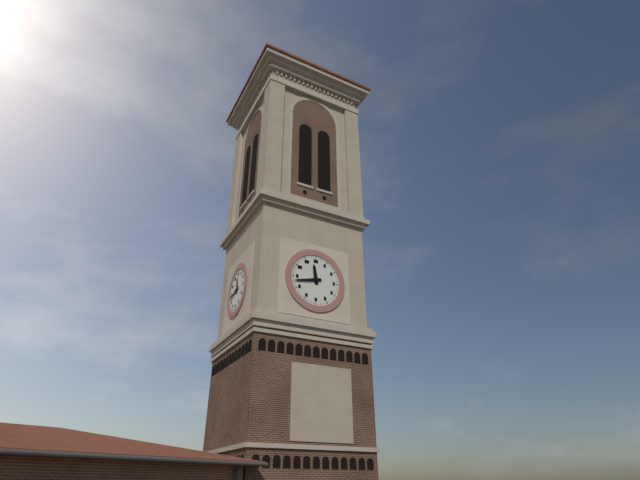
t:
11,43
